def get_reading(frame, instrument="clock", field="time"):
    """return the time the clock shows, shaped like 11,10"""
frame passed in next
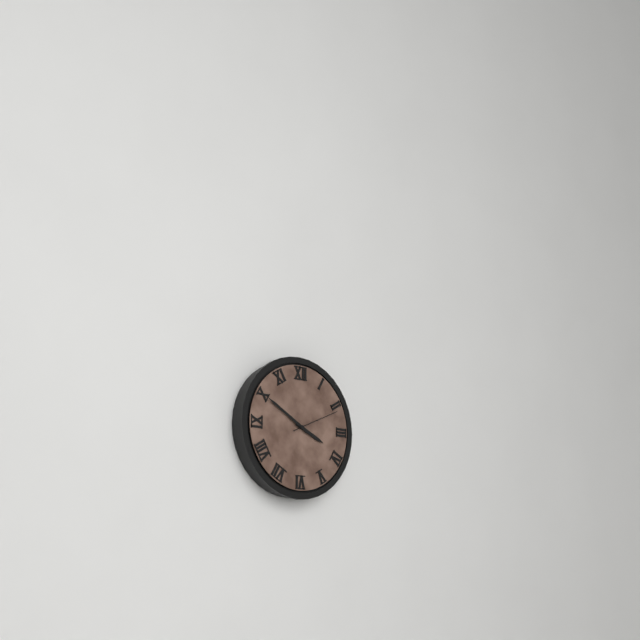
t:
3,50
